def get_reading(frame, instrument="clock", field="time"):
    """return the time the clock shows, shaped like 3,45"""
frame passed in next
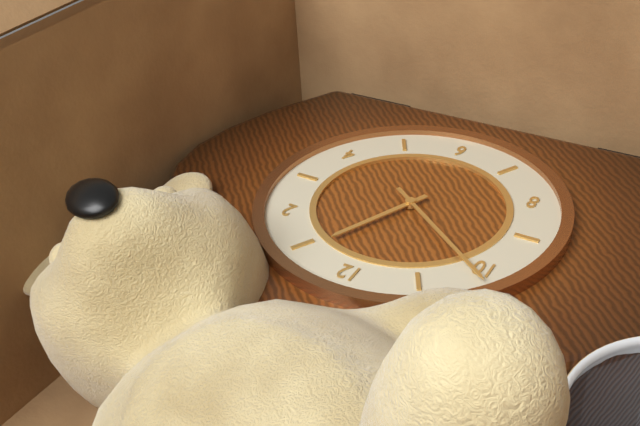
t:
12,51
